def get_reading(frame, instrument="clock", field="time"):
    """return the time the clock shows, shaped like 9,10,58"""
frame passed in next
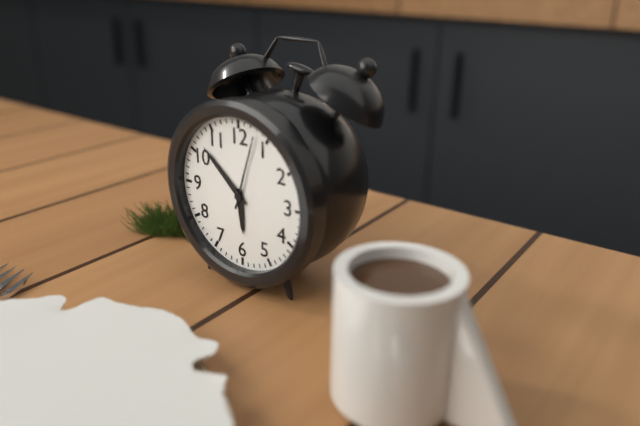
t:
5,52,03
